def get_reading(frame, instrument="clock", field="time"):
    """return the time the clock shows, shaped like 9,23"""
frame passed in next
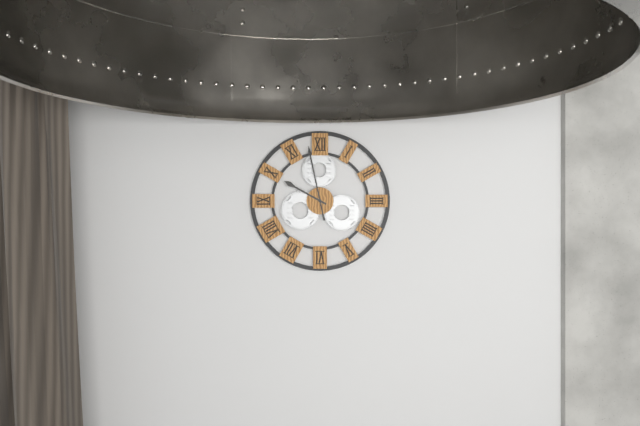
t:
9,58
